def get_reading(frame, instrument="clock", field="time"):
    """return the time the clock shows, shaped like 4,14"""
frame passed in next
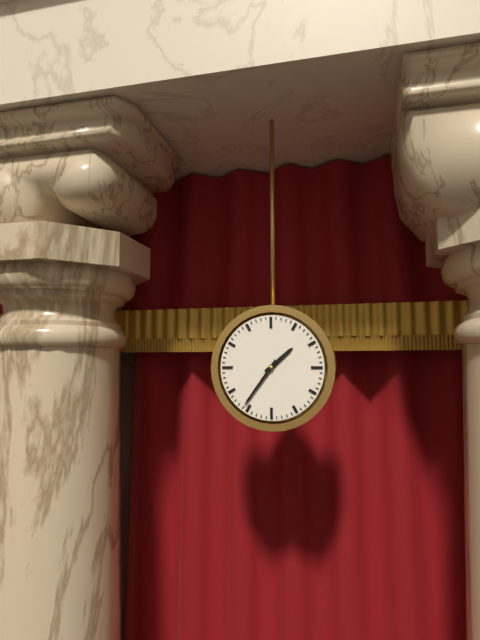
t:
1,36
